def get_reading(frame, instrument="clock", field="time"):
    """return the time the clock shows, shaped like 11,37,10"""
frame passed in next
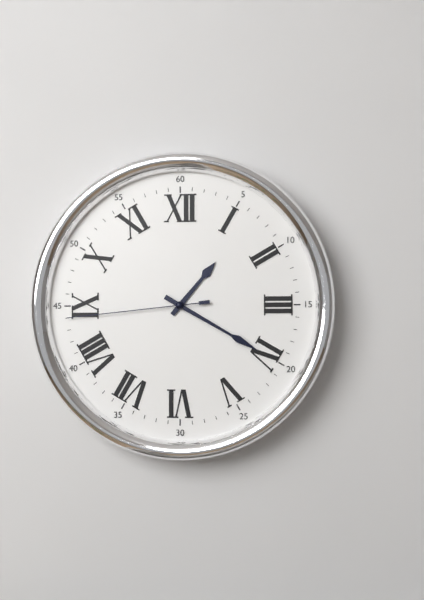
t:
1,20,44
